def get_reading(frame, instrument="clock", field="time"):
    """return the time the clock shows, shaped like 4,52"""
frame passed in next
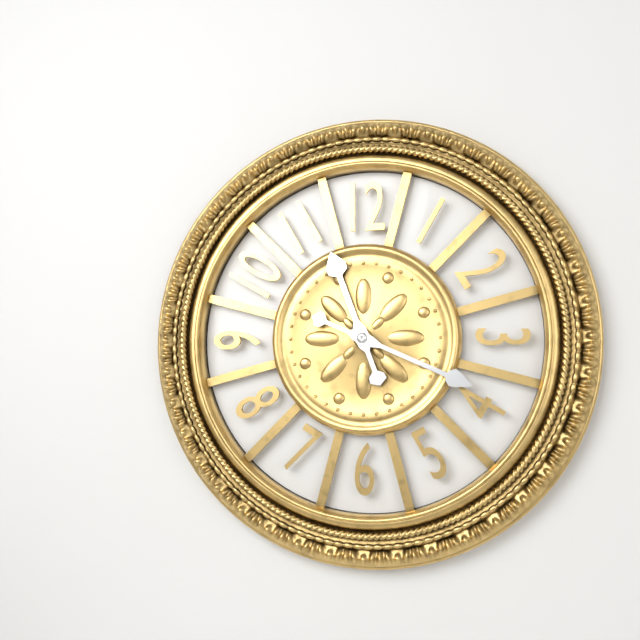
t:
11,19
